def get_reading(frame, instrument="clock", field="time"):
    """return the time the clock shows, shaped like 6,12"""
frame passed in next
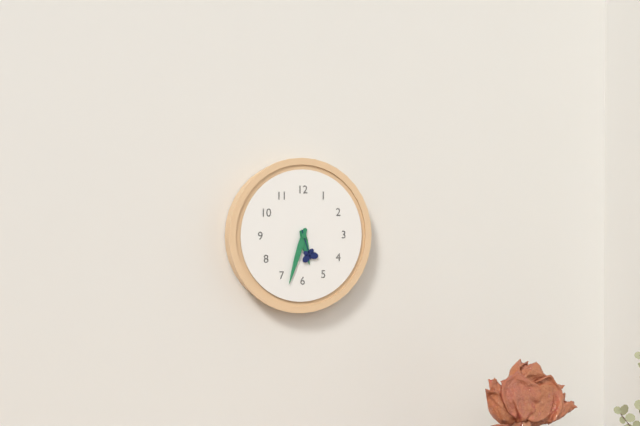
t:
5,33
